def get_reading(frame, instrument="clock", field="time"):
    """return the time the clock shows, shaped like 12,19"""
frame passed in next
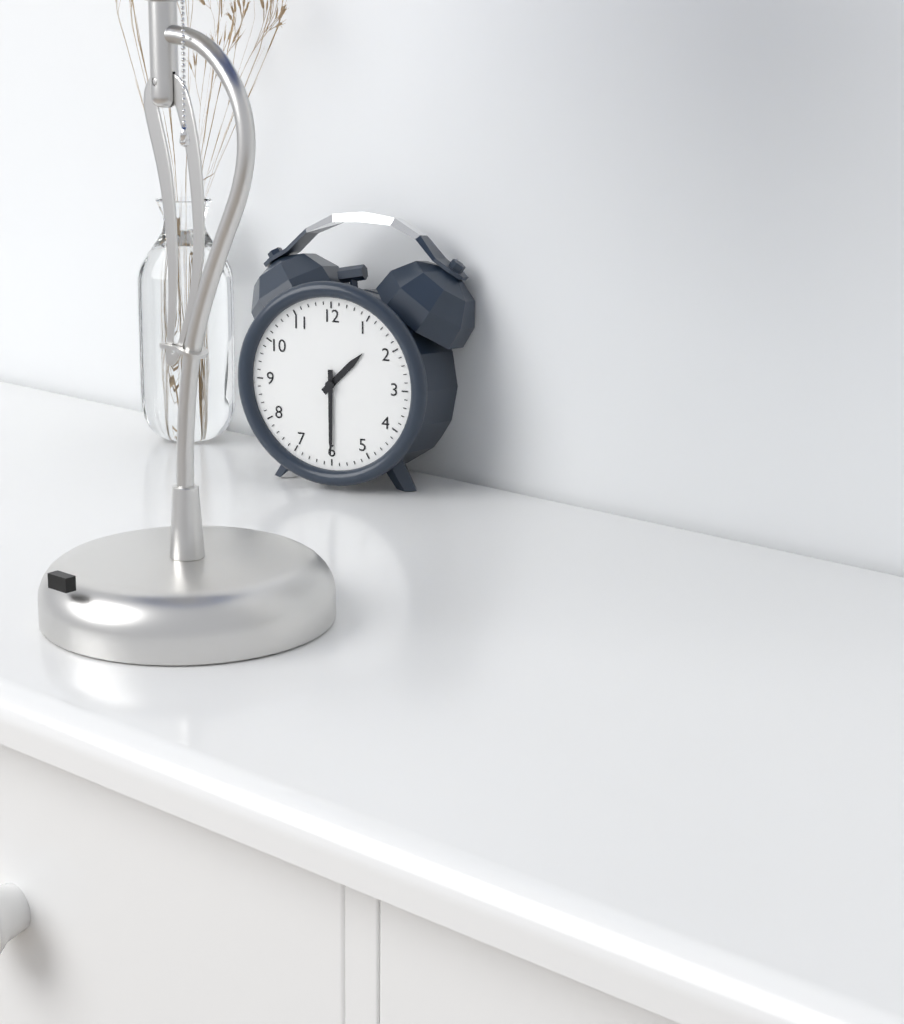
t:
1,30
